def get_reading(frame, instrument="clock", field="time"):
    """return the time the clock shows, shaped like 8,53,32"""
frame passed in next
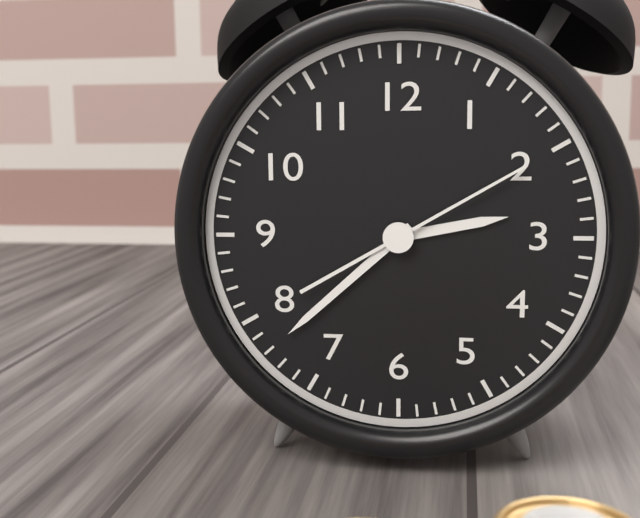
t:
2,38,10
